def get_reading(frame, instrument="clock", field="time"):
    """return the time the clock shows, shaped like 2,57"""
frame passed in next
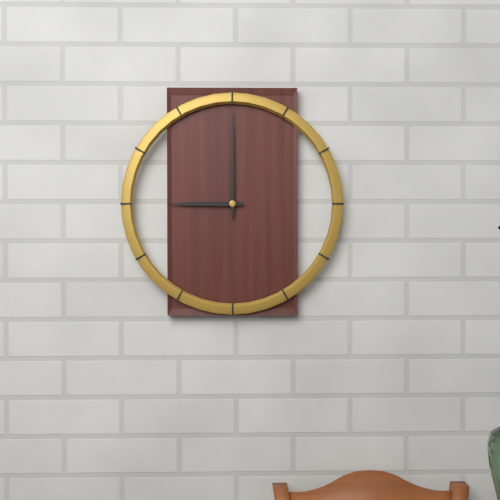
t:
9,00
